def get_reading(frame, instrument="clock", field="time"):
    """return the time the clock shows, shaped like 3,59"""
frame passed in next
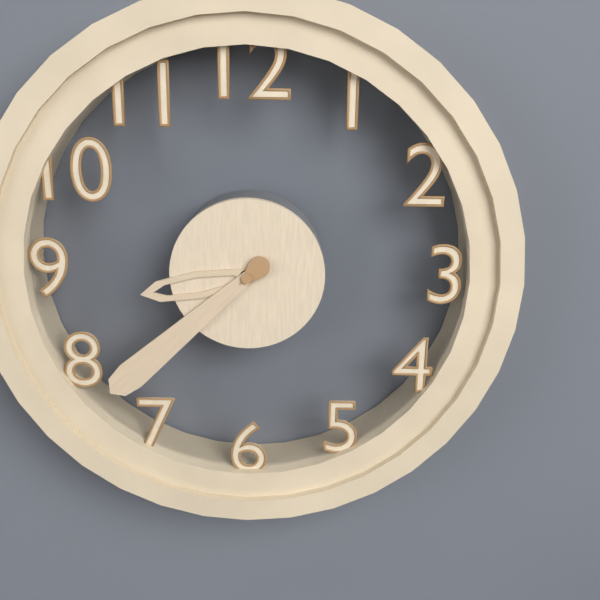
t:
8,38
